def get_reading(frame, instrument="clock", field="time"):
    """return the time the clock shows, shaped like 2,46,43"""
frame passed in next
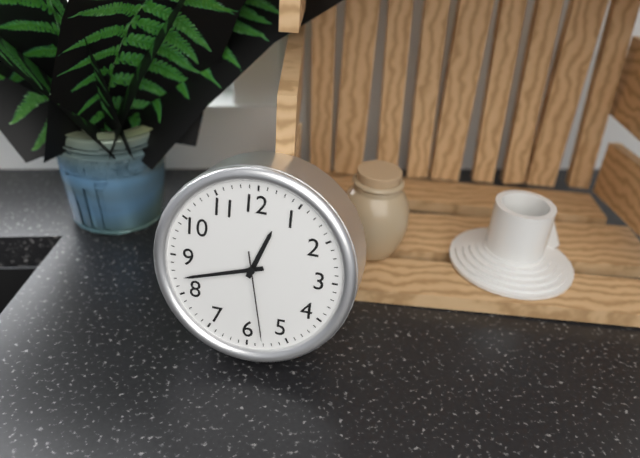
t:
12,42,28
